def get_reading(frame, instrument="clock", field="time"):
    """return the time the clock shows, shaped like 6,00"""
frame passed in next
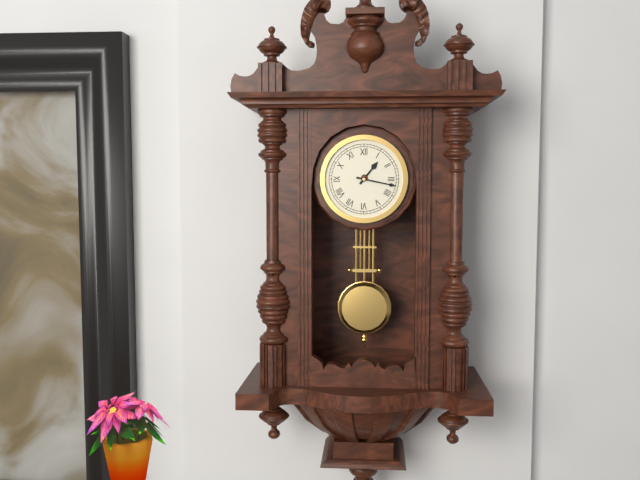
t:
1,17
